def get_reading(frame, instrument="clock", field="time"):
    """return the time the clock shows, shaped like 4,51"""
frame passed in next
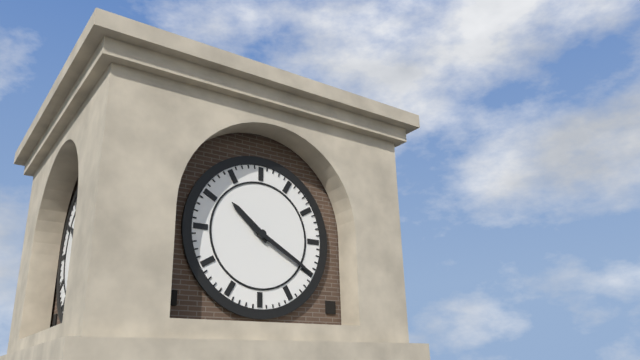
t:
10,20
